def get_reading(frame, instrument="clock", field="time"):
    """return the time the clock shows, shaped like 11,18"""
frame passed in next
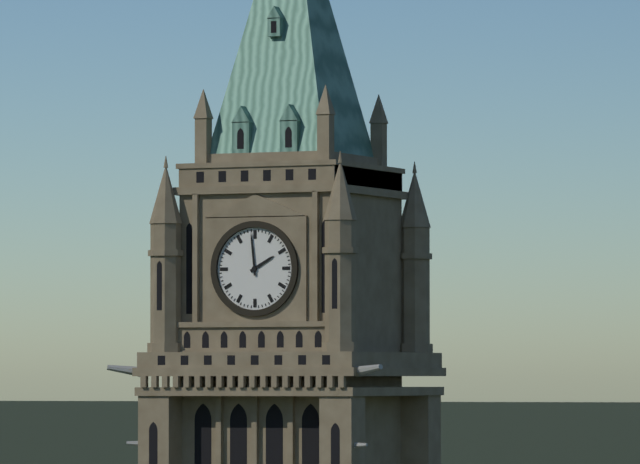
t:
1,59
